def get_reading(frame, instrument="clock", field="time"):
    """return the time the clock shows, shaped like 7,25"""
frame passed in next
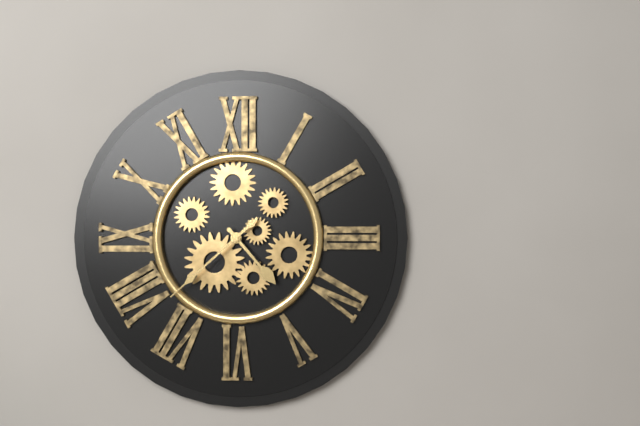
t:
4,38
